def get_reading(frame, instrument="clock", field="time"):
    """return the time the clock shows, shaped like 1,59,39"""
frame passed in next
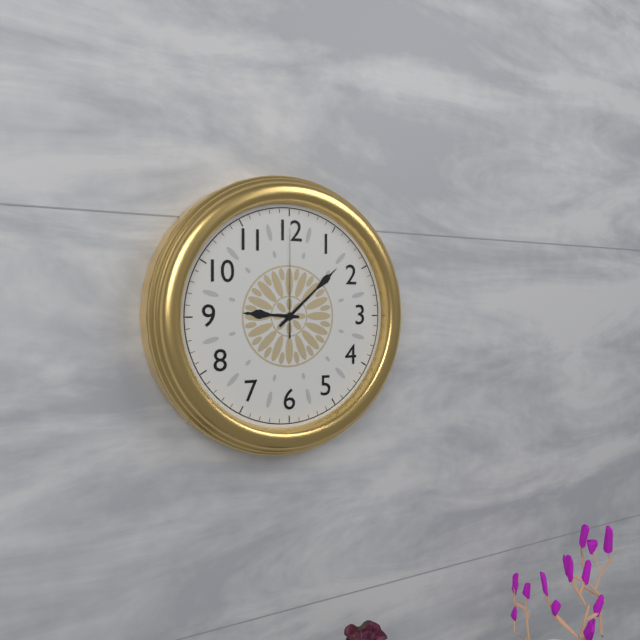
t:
9,08,00
